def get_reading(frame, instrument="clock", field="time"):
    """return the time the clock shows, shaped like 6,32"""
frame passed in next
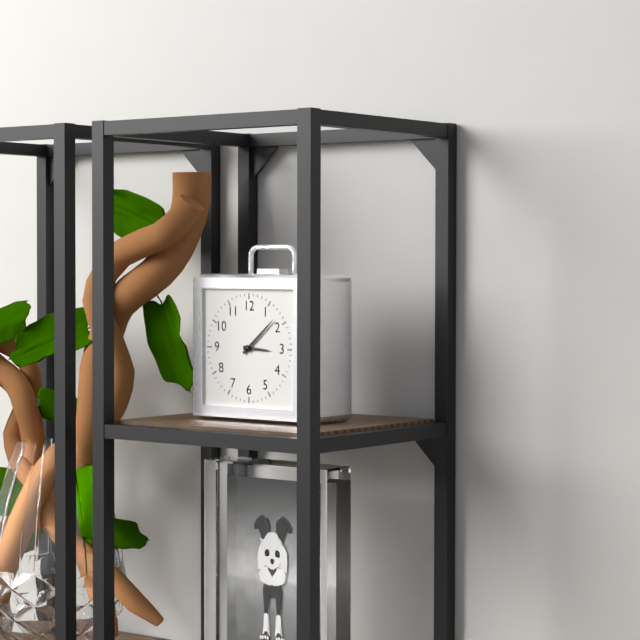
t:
3,08
